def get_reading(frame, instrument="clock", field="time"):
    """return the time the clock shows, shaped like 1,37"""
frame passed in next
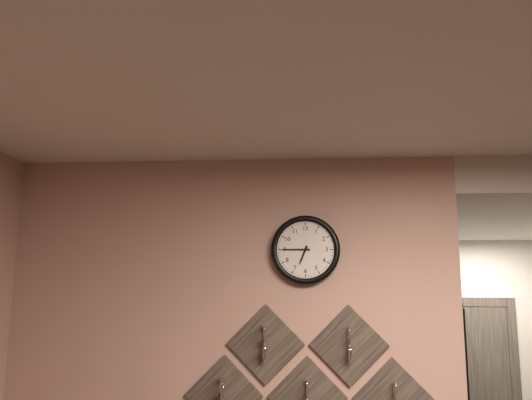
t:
6,45
